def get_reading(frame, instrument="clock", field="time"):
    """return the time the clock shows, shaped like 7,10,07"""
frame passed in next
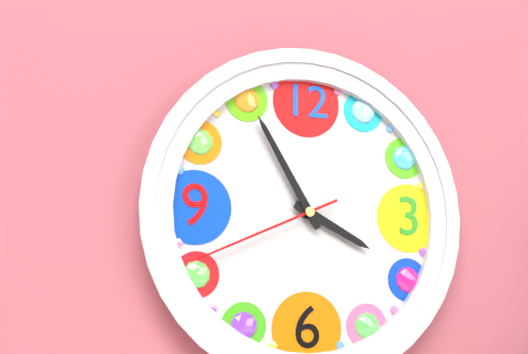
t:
3,55,41
